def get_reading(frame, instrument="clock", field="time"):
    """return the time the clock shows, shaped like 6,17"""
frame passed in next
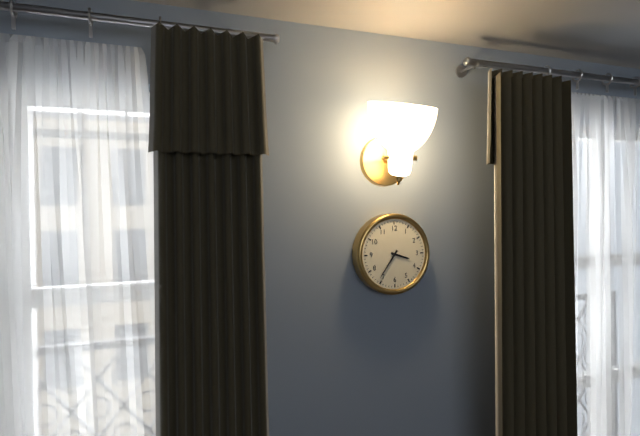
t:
3,36
